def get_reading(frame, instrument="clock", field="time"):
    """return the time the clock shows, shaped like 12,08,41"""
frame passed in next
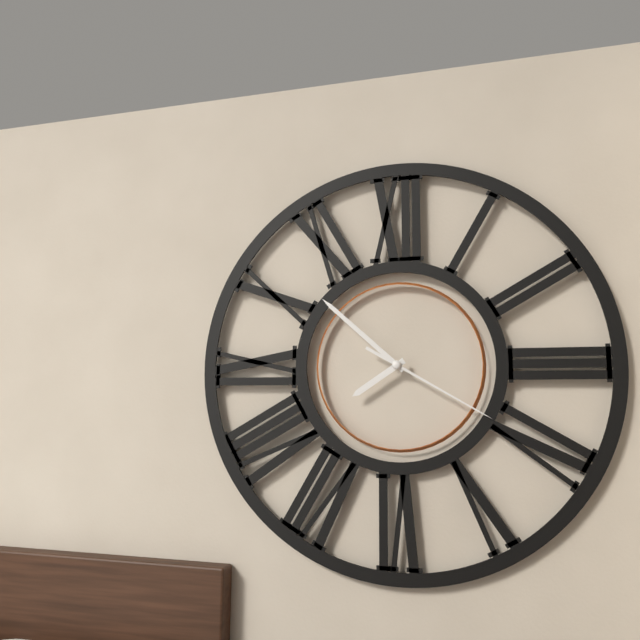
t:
7,52,20
